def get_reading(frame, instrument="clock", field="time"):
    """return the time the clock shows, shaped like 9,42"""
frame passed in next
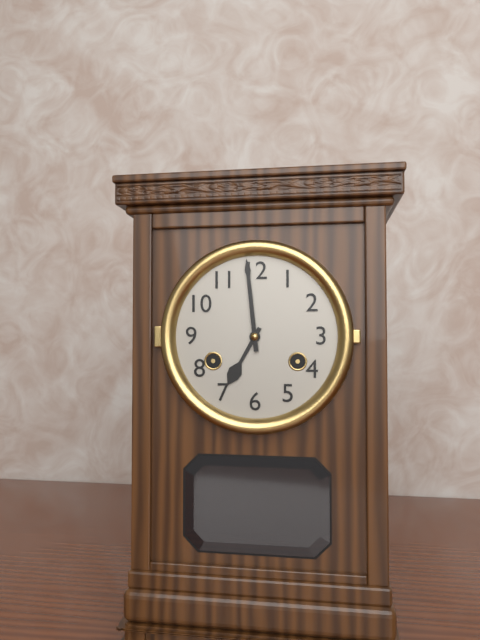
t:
6,59
